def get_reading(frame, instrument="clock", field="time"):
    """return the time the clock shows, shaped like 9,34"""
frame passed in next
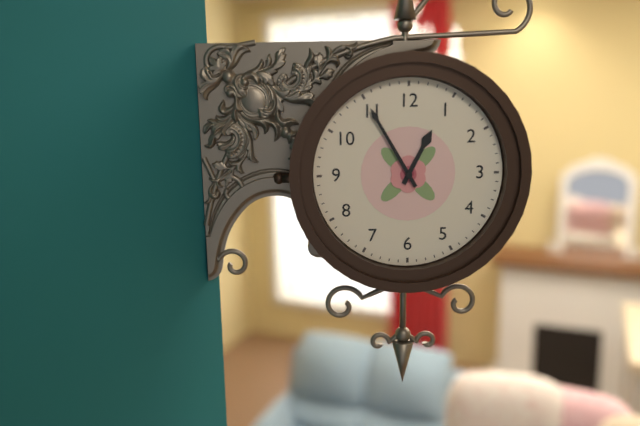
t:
12,55
